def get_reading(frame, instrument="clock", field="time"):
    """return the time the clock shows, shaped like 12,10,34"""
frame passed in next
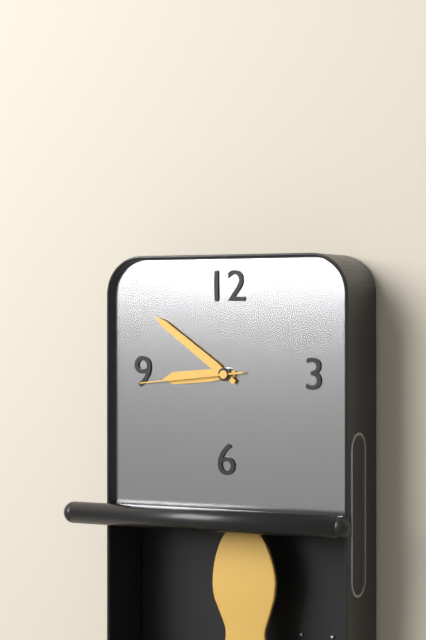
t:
8,51,44
